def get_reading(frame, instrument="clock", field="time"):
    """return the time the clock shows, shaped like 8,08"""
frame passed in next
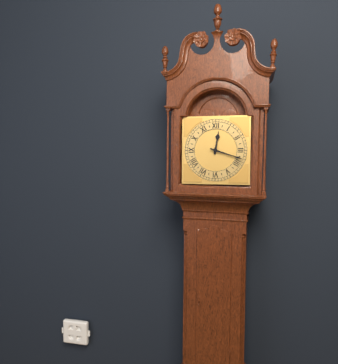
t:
12,18
